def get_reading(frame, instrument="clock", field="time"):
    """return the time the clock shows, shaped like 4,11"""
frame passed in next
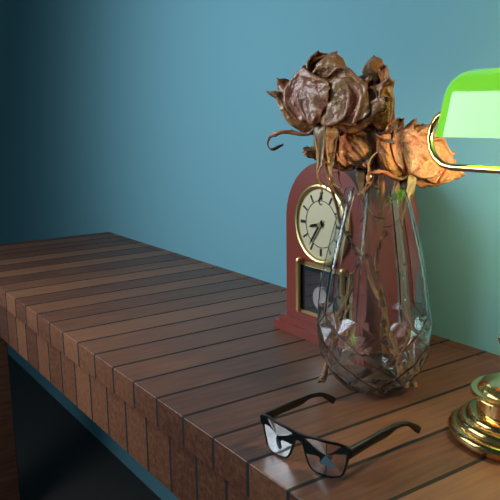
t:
8,36
